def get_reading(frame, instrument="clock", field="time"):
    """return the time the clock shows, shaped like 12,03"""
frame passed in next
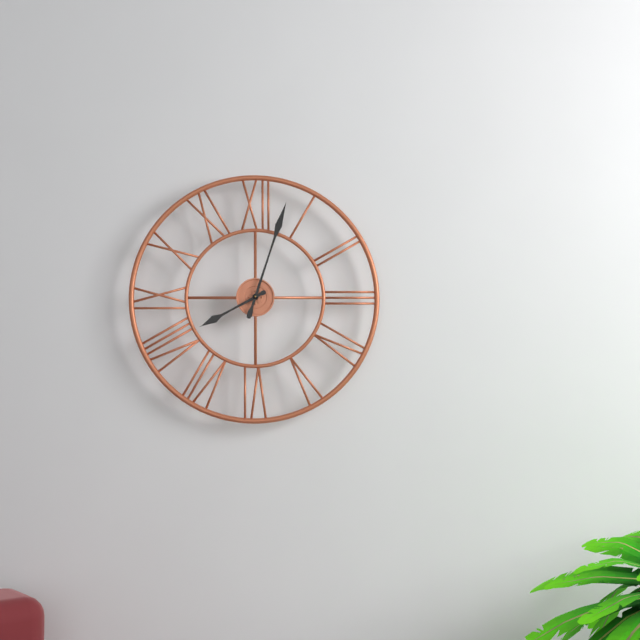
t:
8,03
